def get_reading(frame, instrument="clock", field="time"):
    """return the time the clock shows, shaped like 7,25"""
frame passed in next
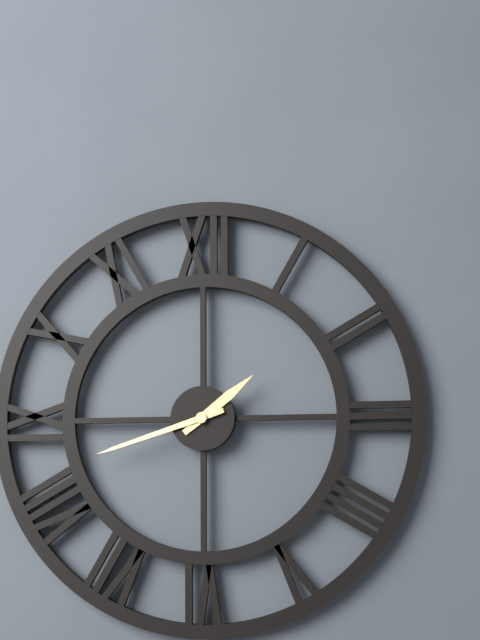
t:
1,42
